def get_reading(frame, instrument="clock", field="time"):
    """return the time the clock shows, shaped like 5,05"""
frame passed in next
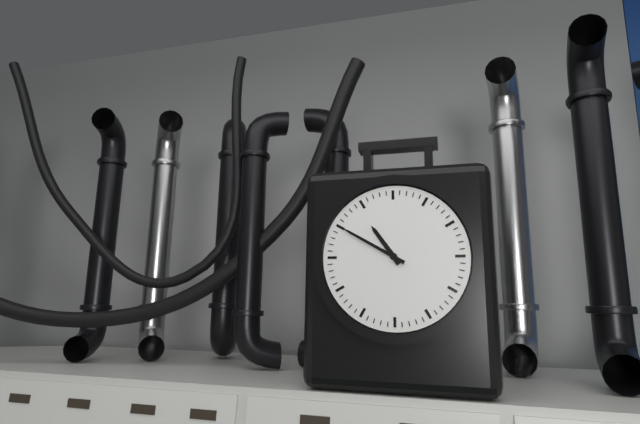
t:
10,50
